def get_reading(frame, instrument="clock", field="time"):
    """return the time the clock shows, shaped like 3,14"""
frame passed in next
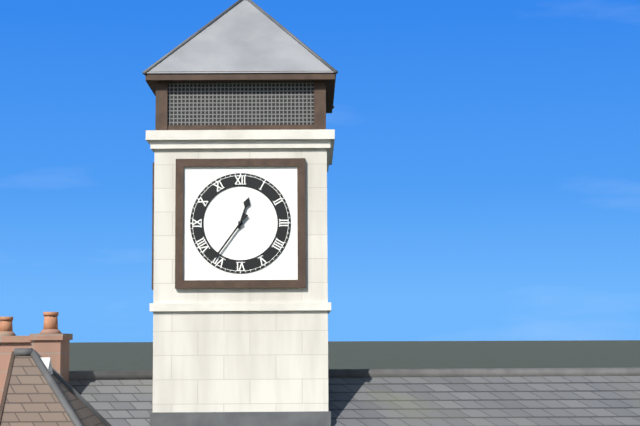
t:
12,36
